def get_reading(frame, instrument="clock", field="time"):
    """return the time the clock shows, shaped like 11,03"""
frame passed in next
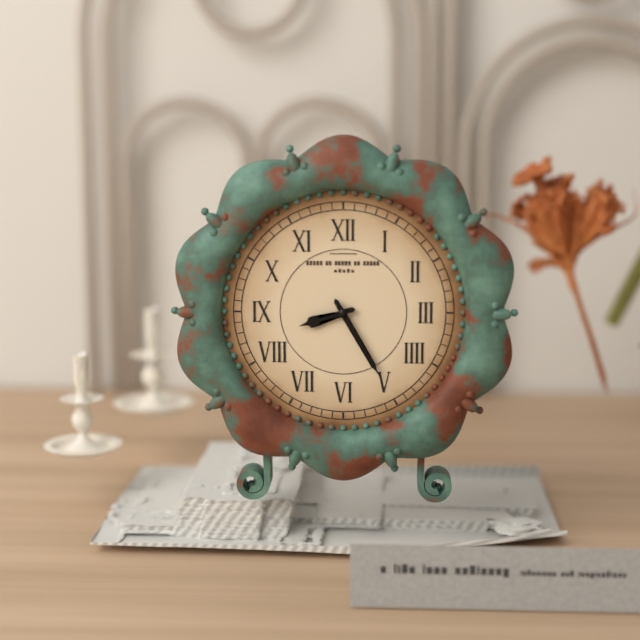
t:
8,25
